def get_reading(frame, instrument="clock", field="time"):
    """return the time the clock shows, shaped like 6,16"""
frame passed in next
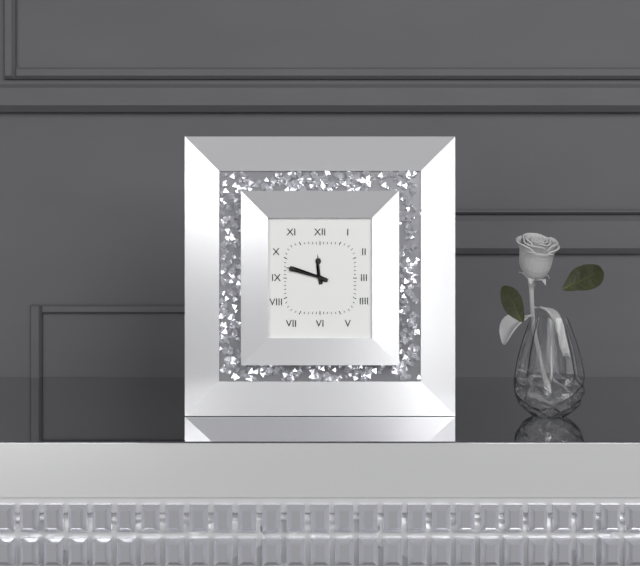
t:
11,48
